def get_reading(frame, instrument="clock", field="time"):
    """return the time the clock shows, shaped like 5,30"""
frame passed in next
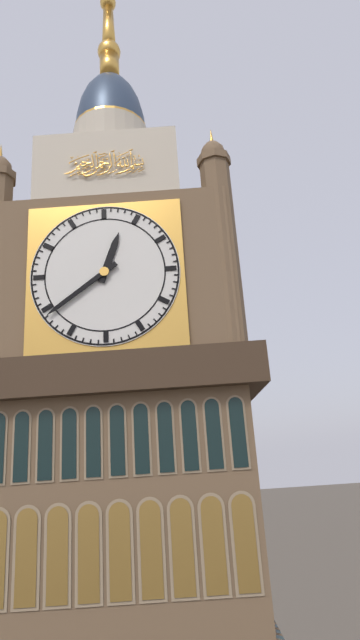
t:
12,39
